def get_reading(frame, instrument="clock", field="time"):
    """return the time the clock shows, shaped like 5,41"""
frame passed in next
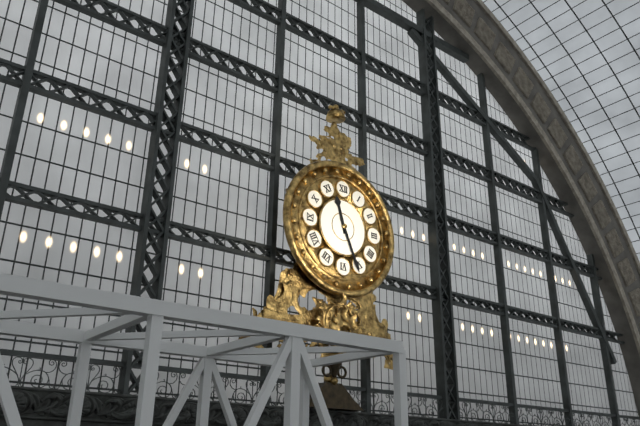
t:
11,26
